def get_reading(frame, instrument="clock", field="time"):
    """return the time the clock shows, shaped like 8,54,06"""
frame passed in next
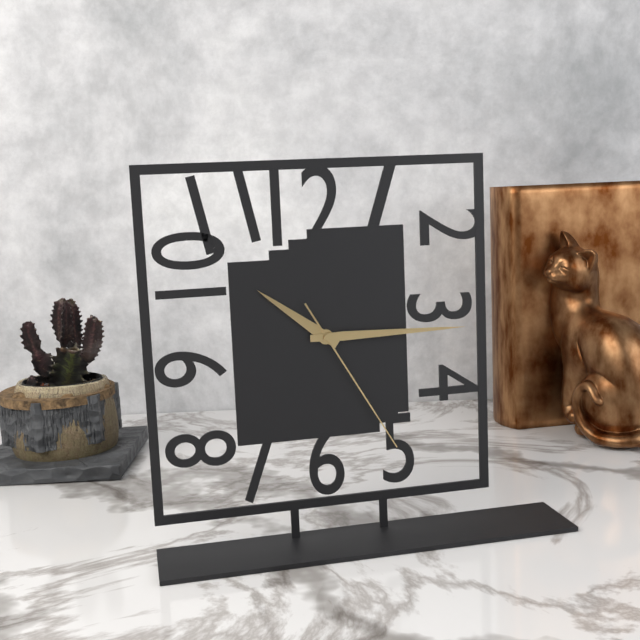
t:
10,15,25
